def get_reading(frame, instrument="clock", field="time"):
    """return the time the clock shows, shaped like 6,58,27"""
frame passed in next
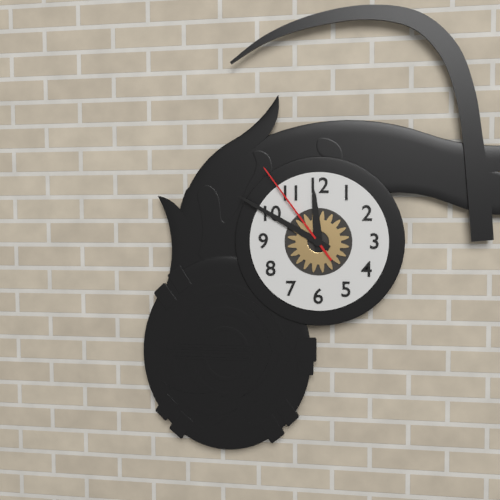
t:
11,50,54
